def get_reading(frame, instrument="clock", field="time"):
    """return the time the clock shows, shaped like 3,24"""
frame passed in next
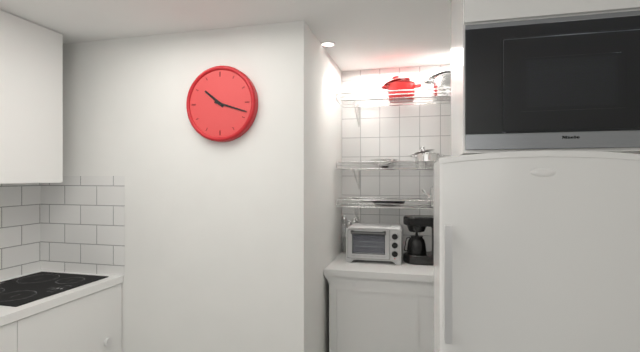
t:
10,18
